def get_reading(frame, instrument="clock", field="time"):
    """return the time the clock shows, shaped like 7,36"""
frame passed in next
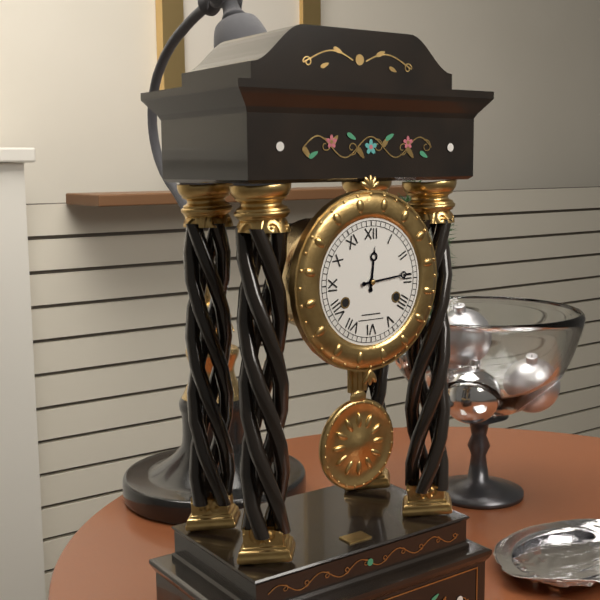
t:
12,14
